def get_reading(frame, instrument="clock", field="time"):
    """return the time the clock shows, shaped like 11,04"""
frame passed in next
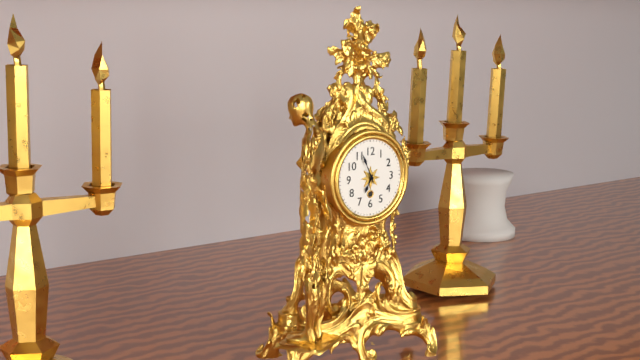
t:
6,56
